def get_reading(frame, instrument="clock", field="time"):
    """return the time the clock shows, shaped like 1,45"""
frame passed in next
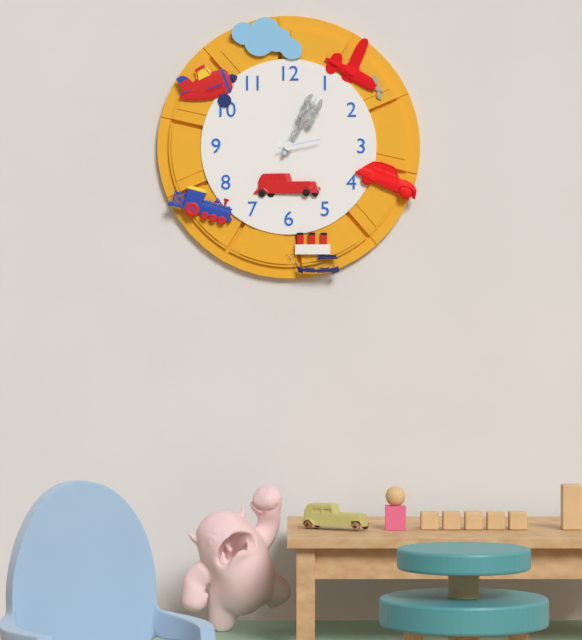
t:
1,05
